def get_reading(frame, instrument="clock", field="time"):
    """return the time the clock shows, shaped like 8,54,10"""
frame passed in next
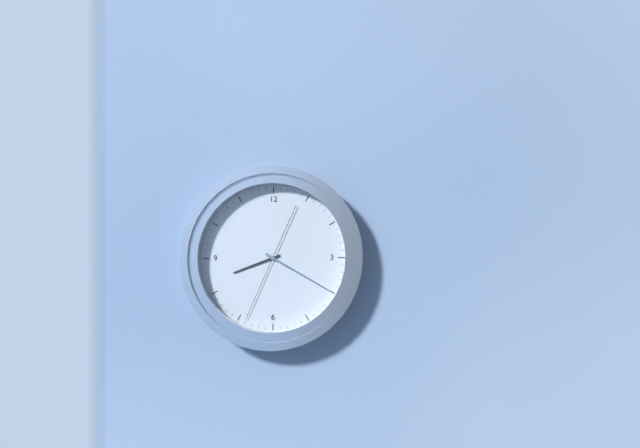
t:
8,20,34
